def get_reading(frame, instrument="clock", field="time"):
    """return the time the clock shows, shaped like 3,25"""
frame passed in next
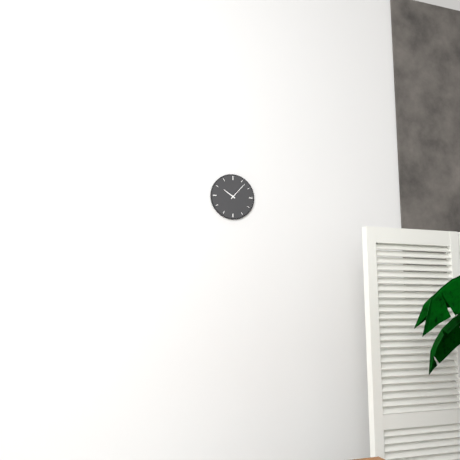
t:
10,07
